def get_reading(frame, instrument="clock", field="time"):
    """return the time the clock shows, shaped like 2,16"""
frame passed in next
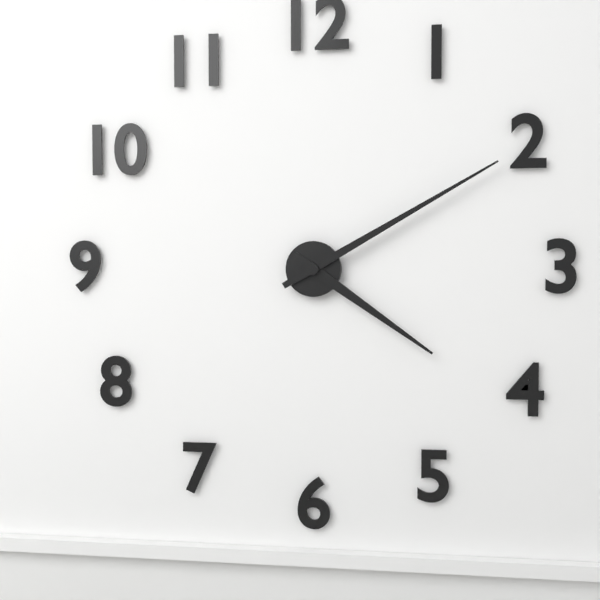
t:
4,10
